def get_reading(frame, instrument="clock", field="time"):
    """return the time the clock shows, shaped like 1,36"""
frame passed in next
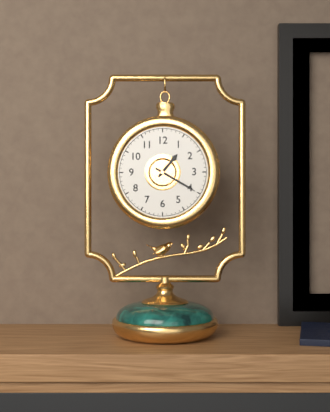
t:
1,20
